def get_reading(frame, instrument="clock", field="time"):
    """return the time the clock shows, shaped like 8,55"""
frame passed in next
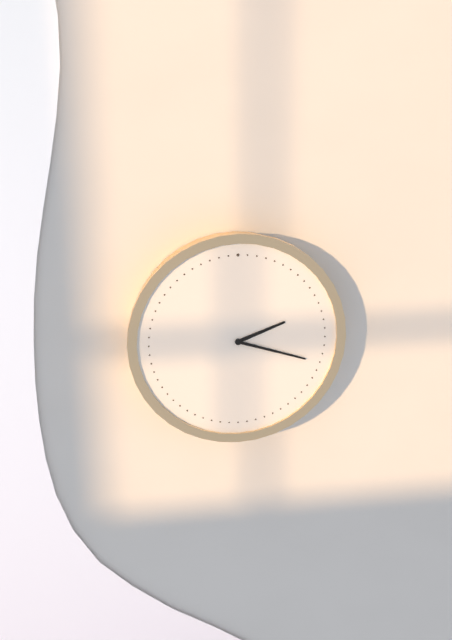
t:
2,18
